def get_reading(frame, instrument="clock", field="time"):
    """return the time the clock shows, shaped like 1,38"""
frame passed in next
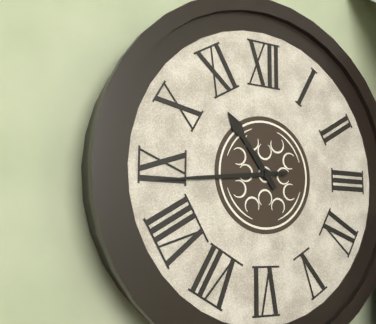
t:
10,44
